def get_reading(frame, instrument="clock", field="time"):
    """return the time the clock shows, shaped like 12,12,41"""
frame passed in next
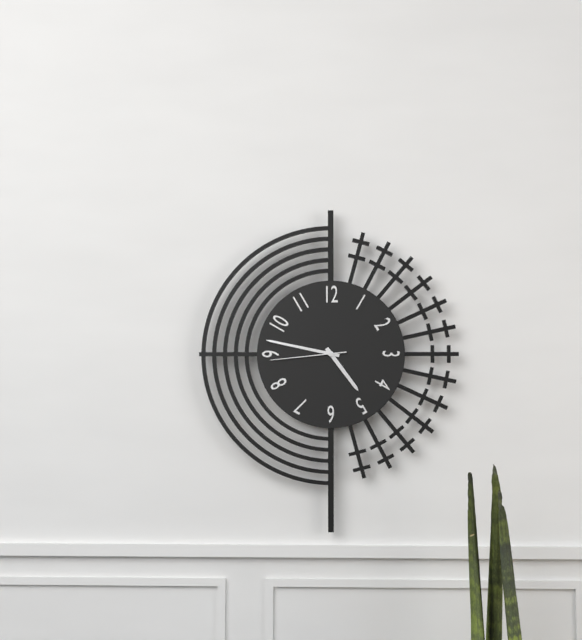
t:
4,47,44
